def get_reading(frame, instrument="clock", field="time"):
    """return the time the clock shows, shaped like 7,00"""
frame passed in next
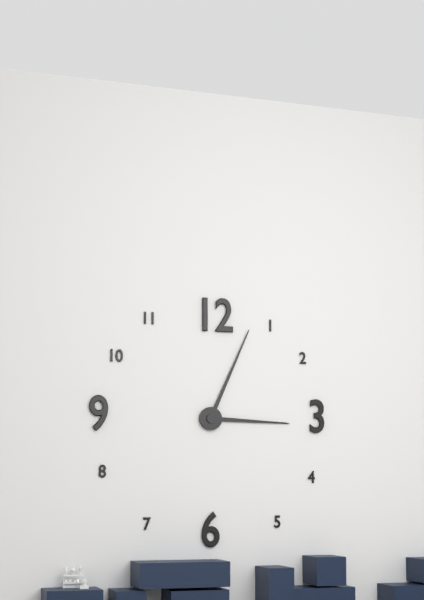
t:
3,04
